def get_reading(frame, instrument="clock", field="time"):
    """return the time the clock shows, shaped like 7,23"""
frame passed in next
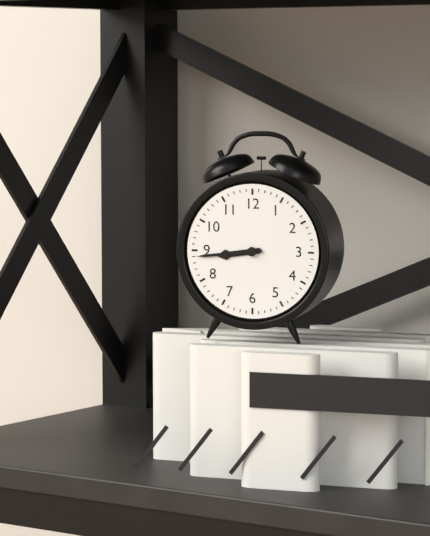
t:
8,44
